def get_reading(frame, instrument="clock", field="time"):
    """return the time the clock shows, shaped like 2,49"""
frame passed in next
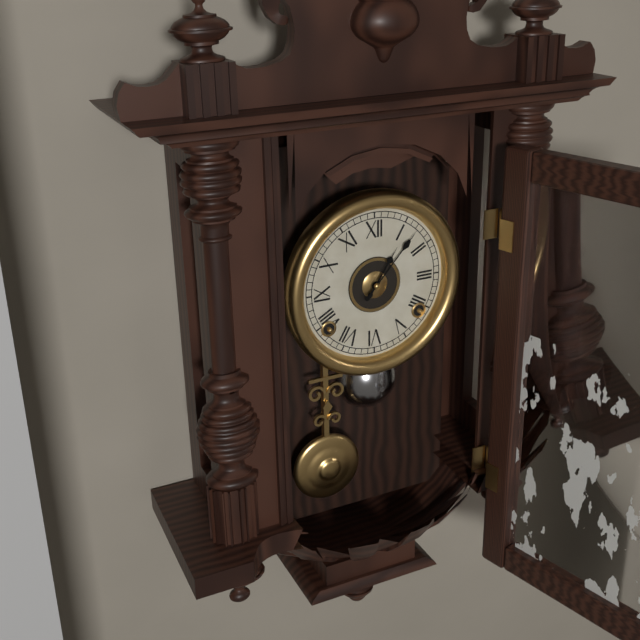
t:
1,07
